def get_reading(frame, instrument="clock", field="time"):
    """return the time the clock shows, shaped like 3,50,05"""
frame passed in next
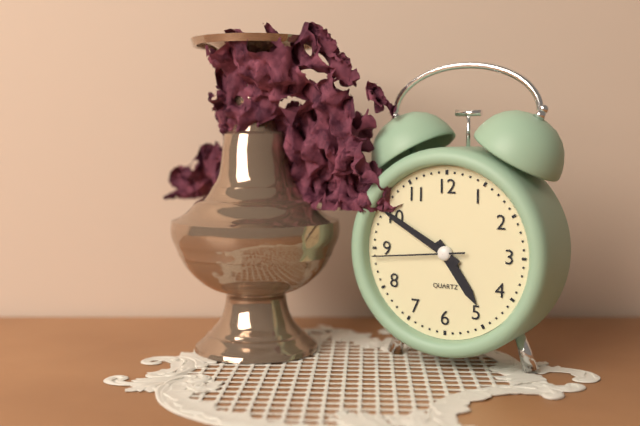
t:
4,50,44
